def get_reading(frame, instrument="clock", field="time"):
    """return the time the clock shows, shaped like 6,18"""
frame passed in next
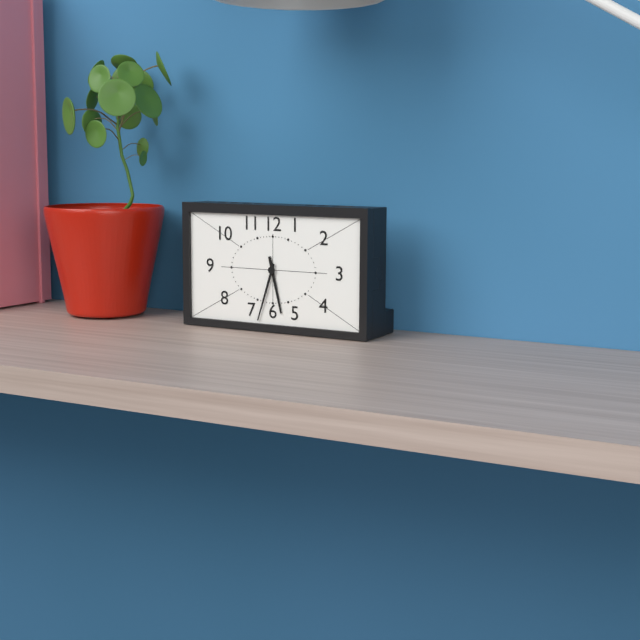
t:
5,33
